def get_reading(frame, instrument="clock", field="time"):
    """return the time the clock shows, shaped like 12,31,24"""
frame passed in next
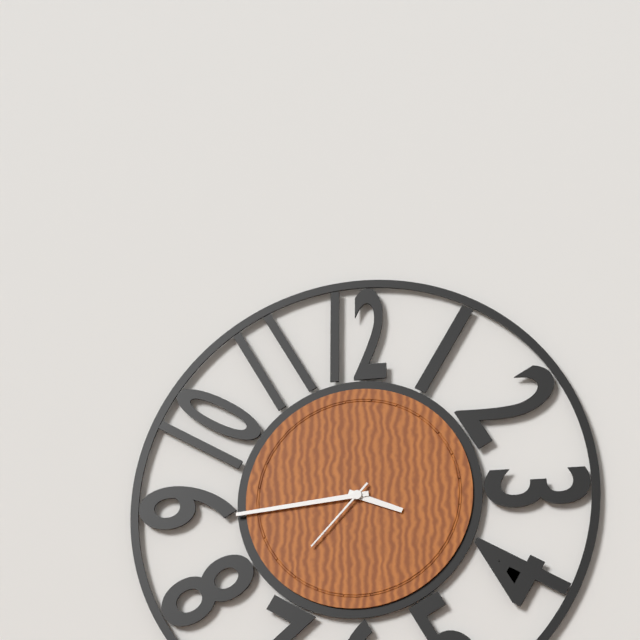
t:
3,44,37
